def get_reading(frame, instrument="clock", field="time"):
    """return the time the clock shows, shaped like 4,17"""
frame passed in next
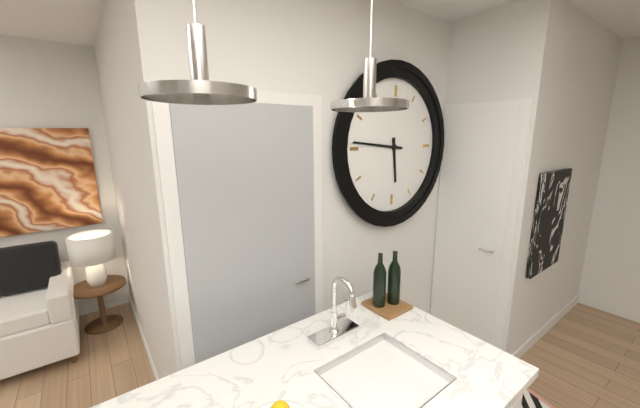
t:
5,46
